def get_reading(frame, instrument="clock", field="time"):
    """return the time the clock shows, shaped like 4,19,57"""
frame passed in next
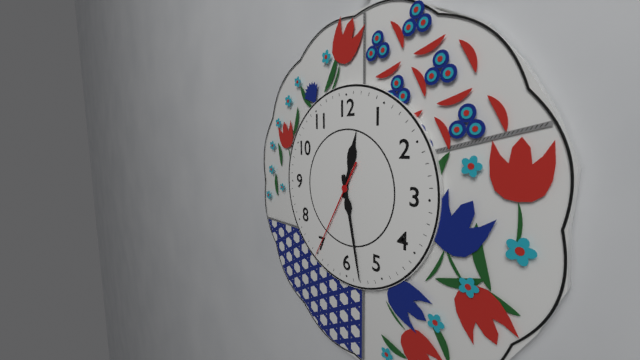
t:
12,28,35
